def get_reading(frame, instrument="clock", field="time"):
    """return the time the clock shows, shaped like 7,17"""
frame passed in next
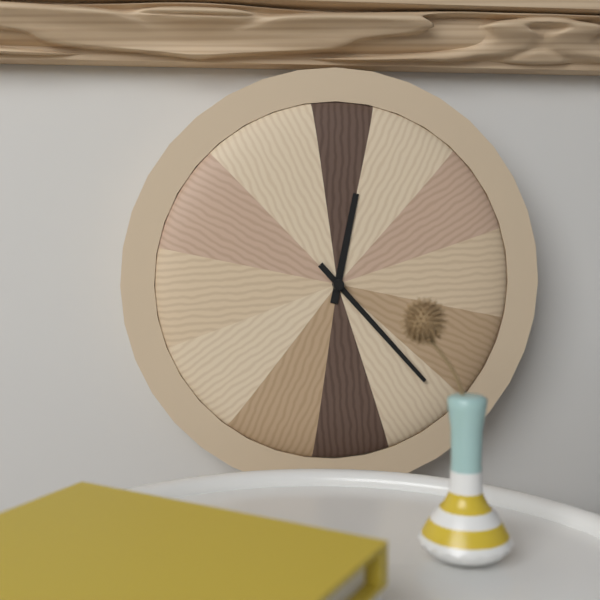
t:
12,23
